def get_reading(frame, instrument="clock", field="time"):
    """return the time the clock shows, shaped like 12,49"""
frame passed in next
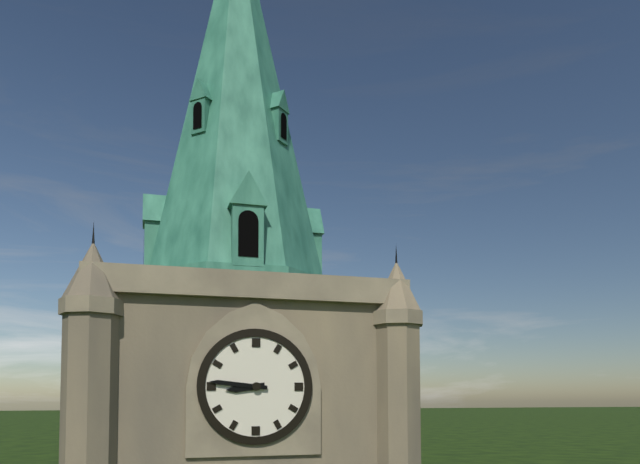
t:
8,46
